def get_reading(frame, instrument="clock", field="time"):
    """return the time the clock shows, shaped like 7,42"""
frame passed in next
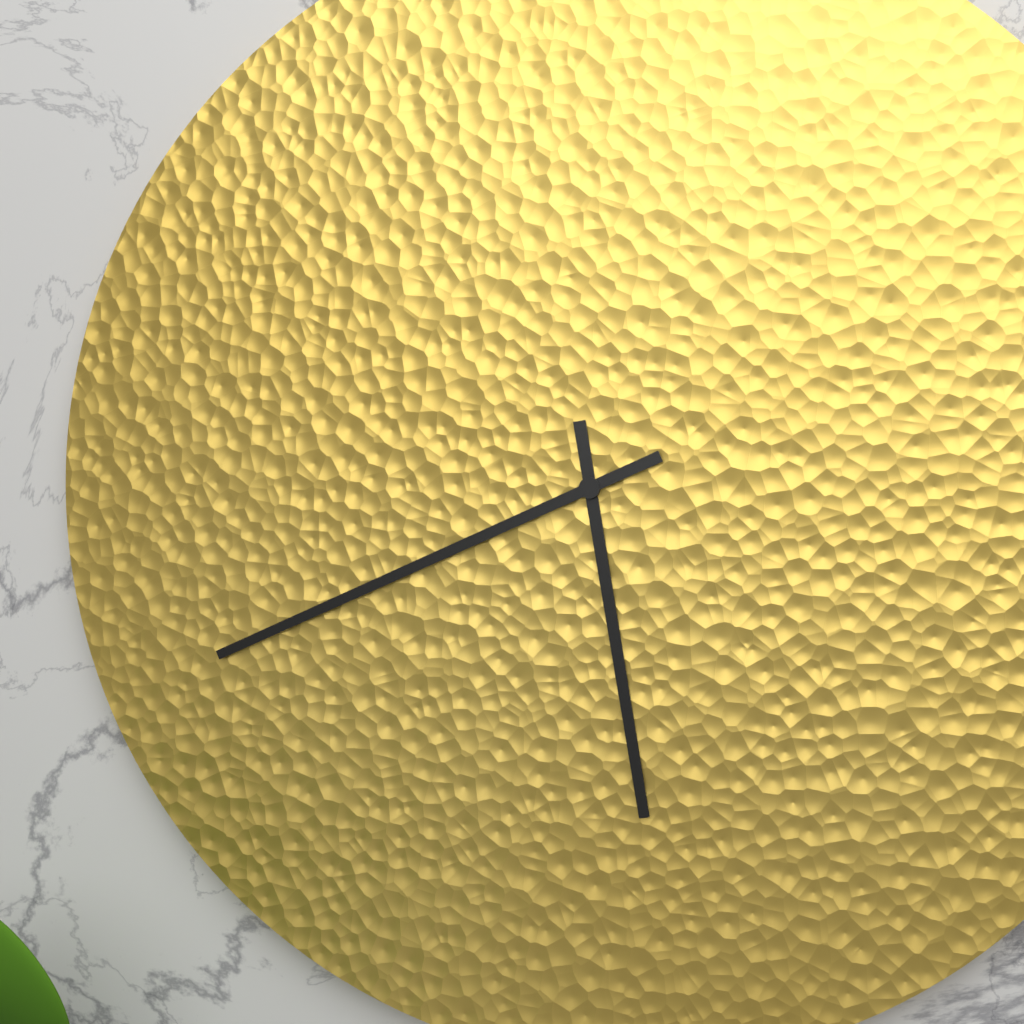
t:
5,41
